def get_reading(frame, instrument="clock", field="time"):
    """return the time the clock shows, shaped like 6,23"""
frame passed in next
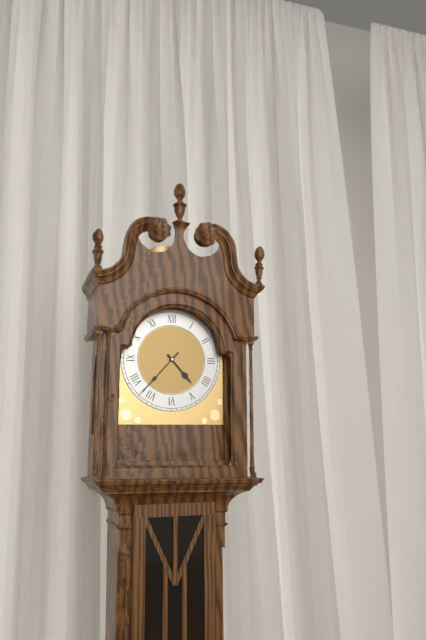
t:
4,37
